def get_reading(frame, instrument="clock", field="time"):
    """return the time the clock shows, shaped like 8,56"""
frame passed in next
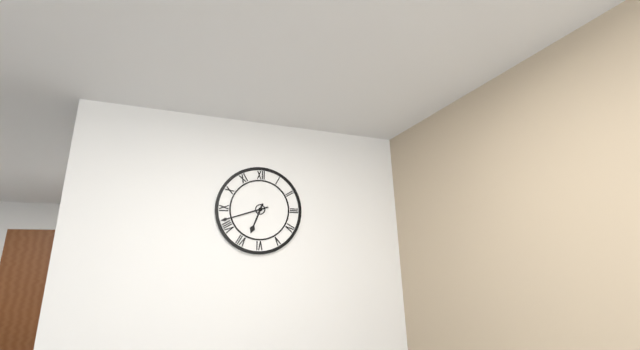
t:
6,42
